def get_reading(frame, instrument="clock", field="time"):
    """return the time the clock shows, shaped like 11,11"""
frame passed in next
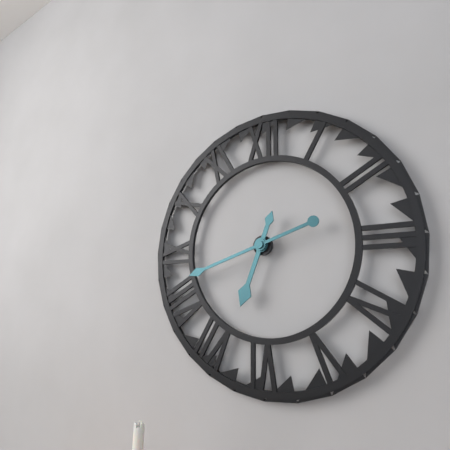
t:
6,42
